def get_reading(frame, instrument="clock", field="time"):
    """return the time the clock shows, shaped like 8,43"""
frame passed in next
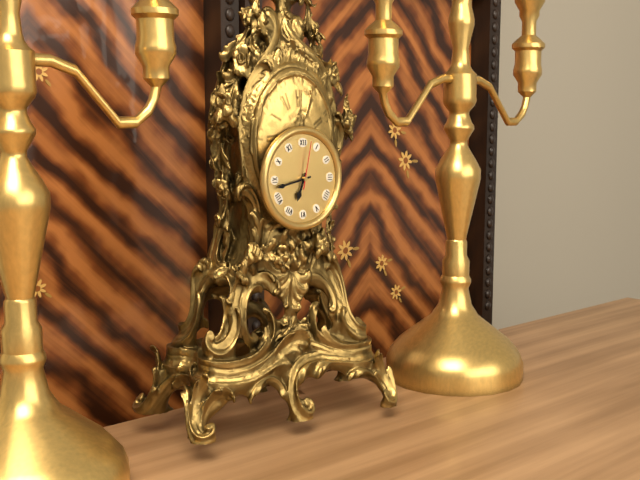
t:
6,43
